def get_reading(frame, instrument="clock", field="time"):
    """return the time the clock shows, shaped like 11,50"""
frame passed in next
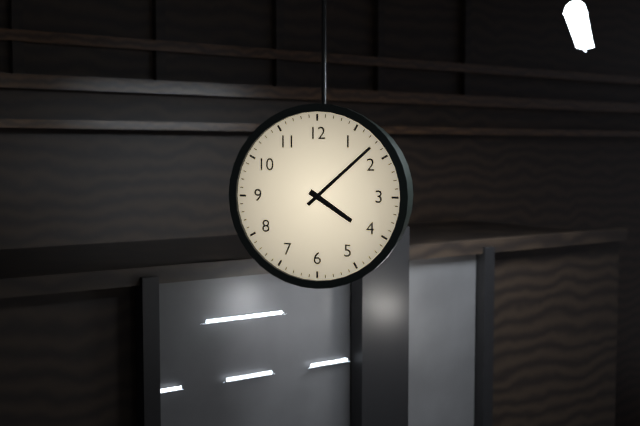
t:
4,08
